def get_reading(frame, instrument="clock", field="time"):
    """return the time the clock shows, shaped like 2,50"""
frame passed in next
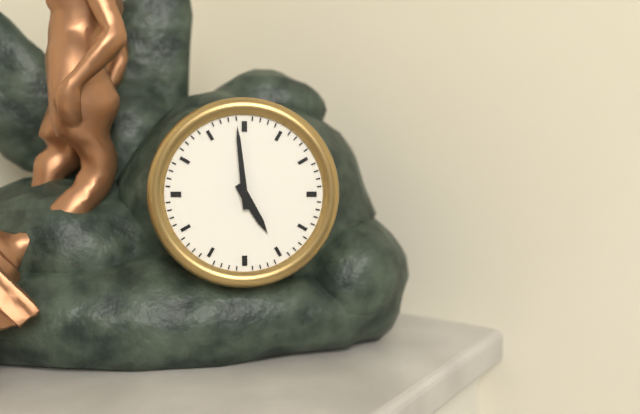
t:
4,59
